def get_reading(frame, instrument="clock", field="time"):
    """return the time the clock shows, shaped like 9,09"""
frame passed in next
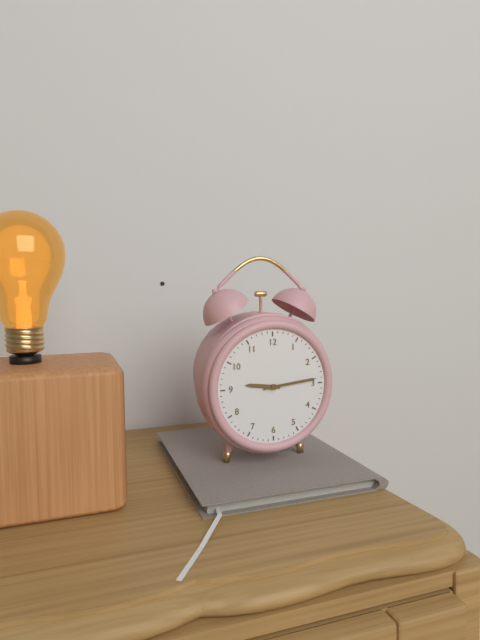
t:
9,14
